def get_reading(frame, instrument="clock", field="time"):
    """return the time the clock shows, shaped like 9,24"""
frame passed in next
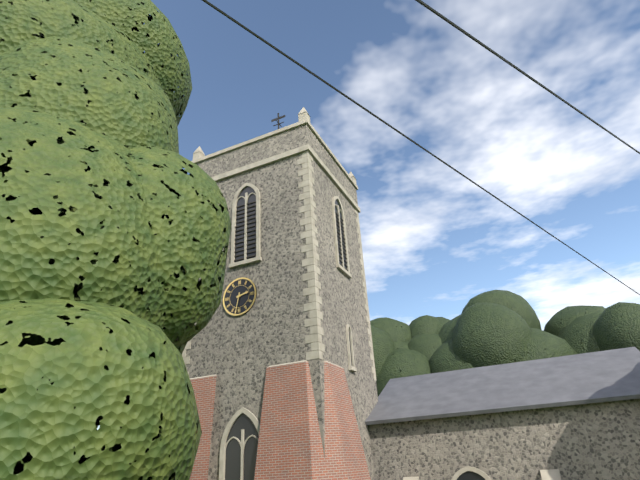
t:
2,32
